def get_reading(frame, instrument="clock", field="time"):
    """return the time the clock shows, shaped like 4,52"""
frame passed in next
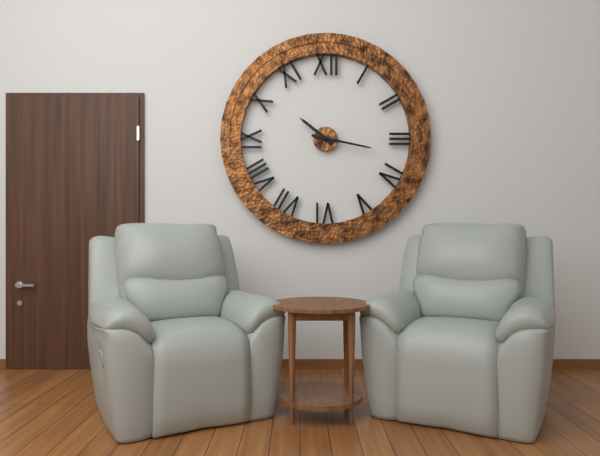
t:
10,17
